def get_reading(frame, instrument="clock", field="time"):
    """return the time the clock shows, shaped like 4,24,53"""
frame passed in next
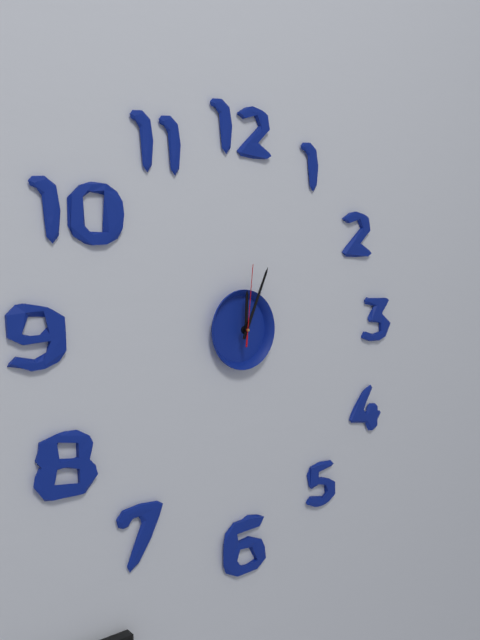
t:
12,04,01
